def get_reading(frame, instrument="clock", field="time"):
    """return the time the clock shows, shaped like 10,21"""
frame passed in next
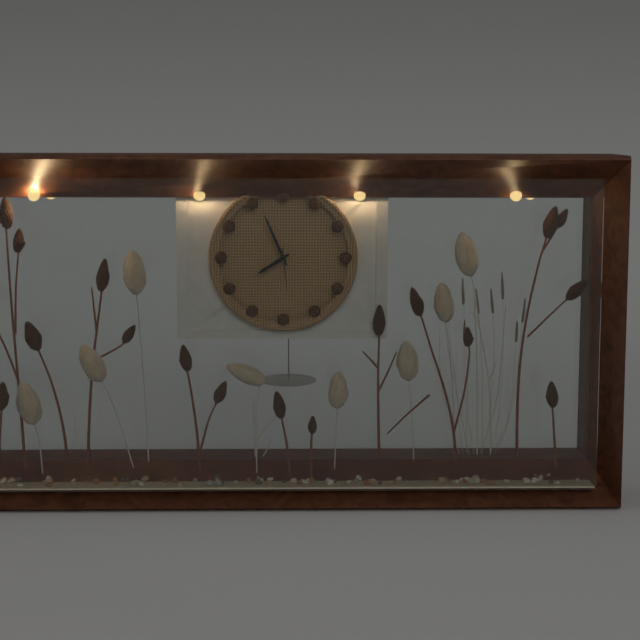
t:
7,56
